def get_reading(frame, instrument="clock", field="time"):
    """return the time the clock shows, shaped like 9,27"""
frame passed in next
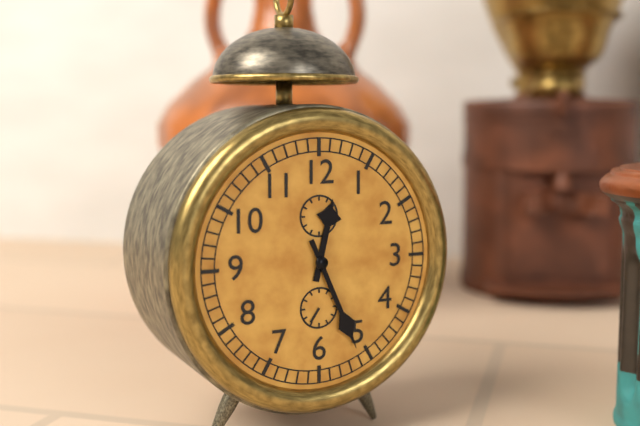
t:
12,26
